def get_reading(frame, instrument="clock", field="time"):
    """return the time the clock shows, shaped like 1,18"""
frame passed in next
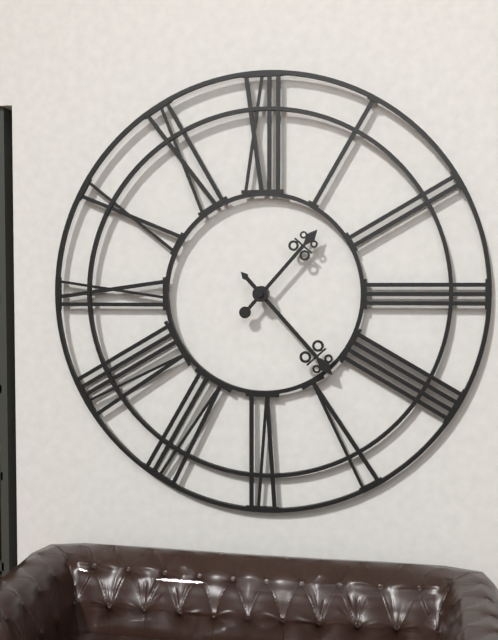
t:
1,23
